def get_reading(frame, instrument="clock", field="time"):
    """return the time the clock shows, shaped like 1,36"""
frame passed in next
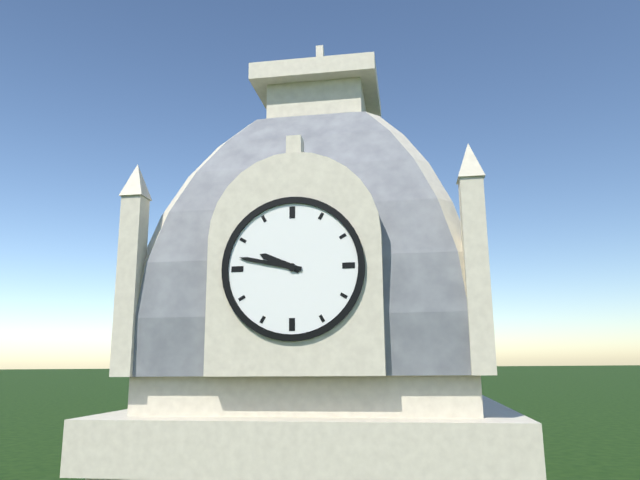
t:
9,47
